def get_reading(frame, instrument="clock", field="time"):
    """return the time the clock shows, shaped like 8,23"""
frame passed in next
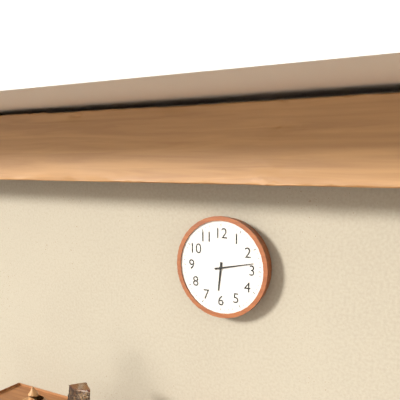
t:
6,13
